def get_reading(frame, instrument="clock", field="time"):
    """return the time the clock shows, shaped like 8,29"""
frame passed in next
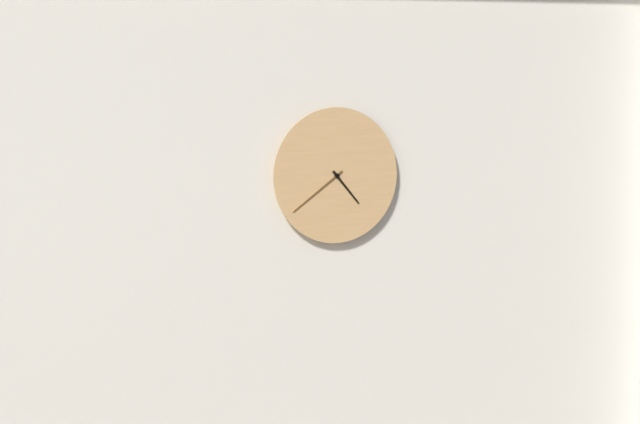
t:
4,39
